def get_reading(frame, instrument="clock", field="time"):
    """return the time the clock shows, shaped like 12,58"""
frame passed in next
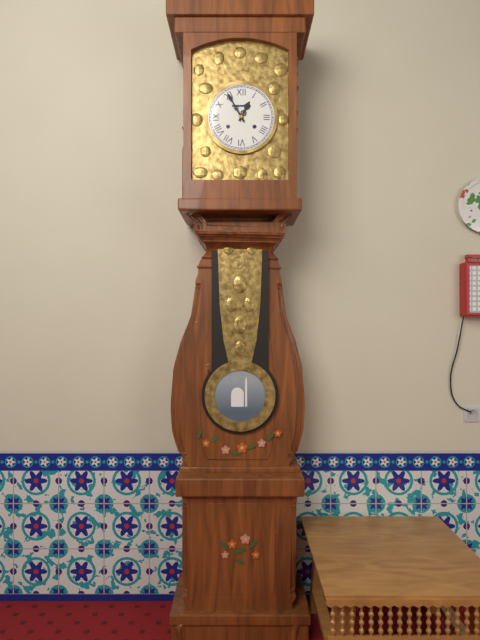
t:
12,55
